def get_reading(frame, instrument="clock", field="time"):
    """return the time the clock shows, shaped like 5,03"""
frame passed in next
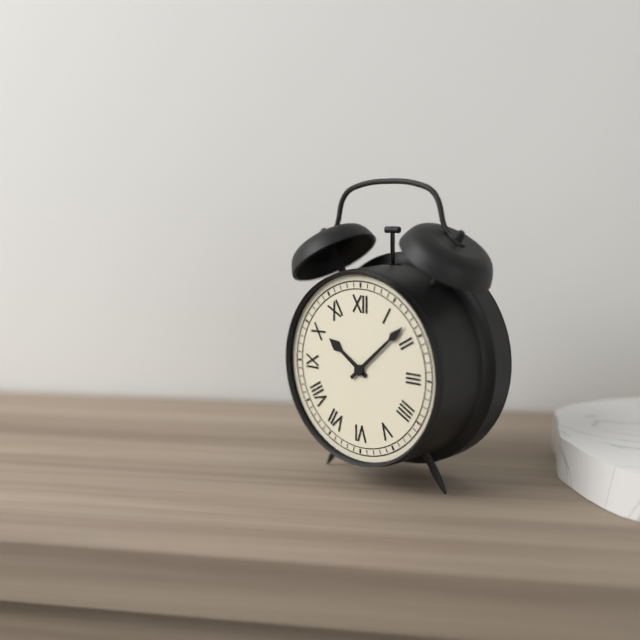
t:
10,08
